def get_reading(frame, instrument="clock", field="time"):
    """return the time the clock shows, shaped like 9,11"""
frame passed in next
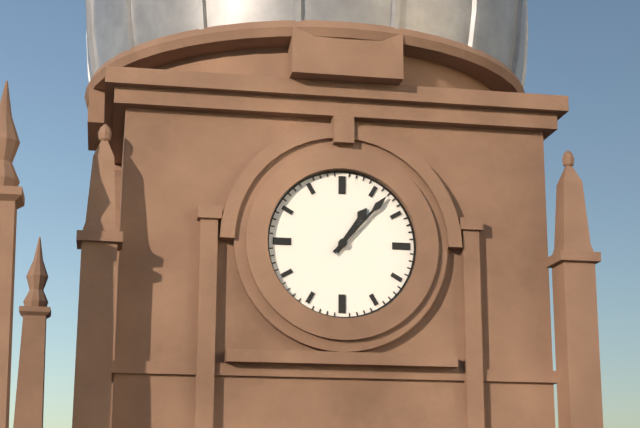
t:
1,07
